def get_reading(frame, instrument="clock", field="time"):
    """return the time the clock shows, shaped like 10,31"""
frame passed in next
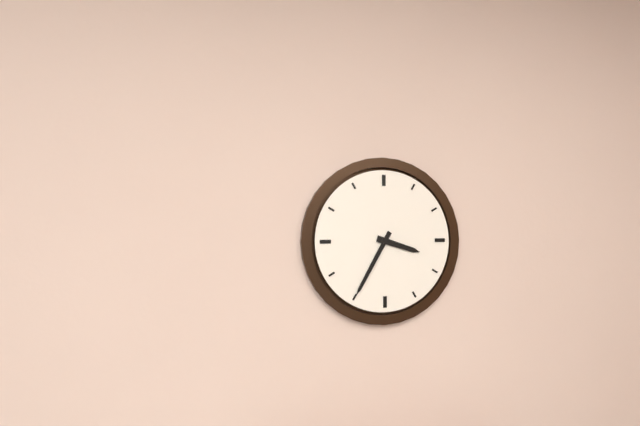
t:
3,35
